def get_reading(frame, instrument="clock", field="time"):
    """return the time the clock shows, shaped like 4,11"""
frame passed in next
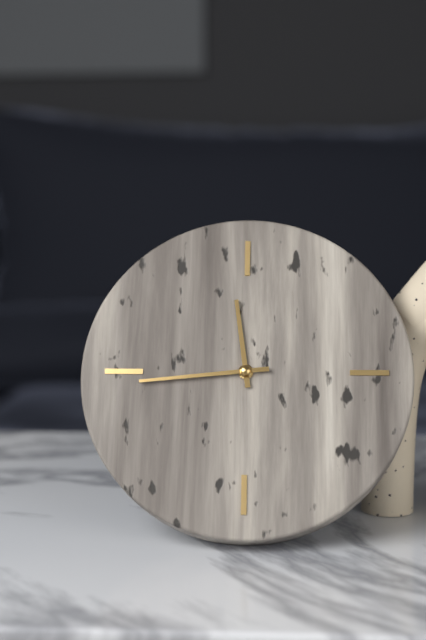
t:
11,44
